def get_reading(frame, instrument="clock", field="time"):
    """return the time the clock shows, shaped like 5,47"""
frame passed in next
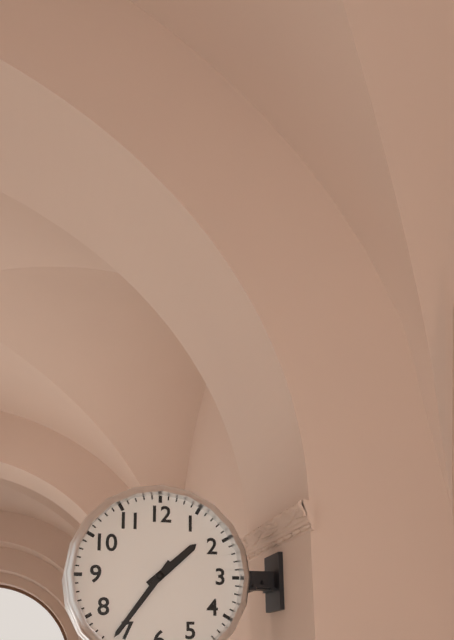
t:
1,36
